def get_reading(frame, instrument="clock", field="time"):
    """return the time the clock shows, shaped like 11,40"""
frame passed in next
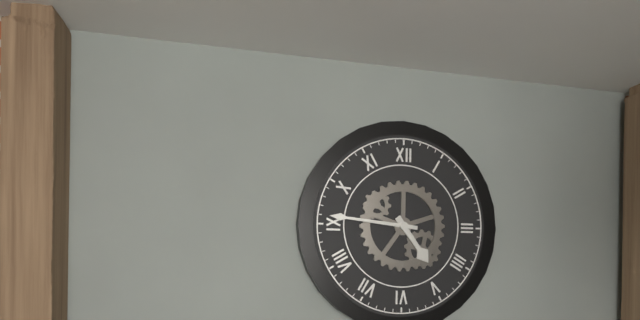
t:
4,46
